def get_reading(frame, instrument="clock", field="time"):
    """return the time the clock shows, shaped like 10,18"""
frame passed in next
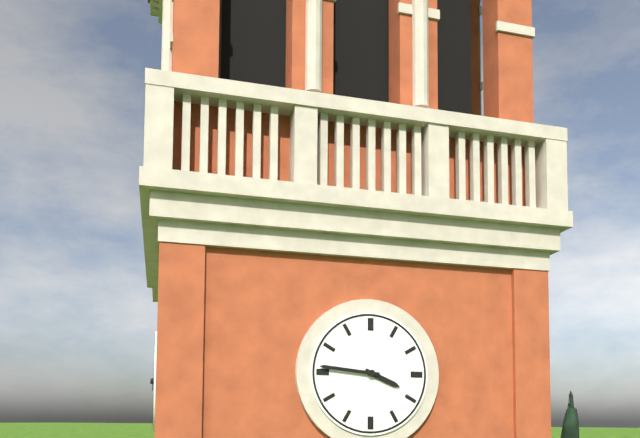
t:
3,46
